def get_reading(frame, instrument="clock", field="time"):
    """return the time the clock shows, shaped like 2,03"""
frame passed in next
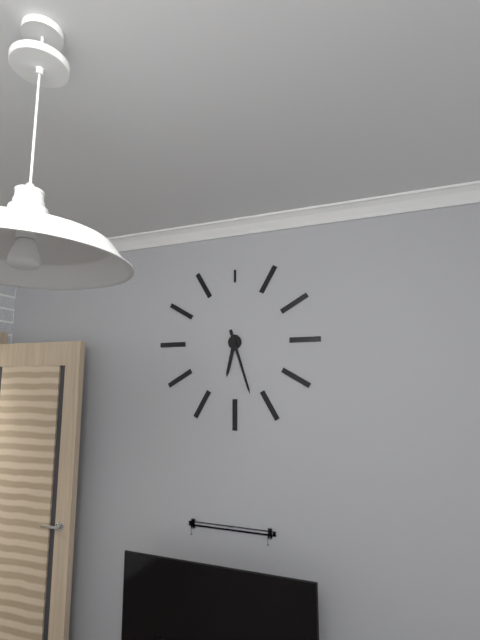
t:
6,27
